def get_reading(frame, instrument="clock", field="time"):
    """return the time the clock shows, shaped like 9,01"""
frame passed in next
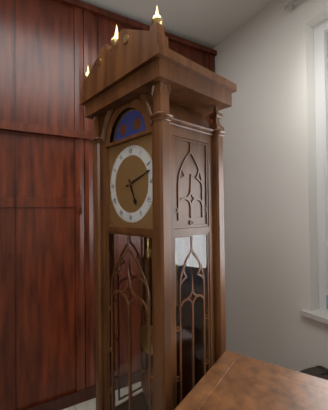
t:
5,12
